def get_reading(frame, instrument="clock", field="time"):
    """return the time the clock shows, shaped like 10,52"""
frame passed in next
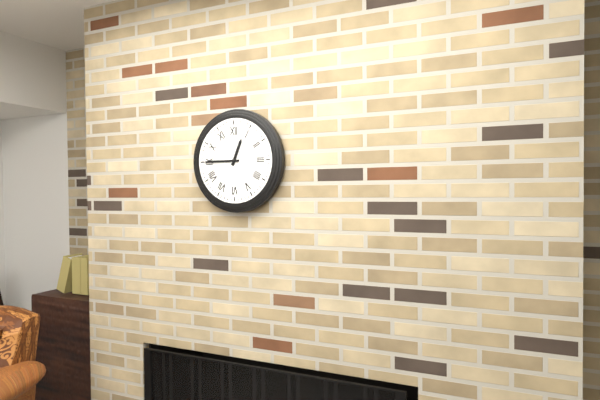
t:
12,45
